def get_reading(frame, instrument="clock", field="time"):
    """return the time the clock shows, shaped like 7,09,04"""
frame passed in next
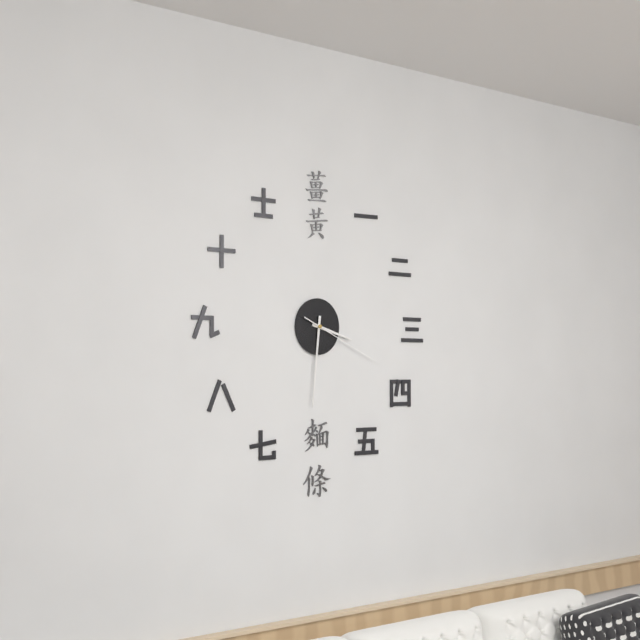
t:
3,31,19
